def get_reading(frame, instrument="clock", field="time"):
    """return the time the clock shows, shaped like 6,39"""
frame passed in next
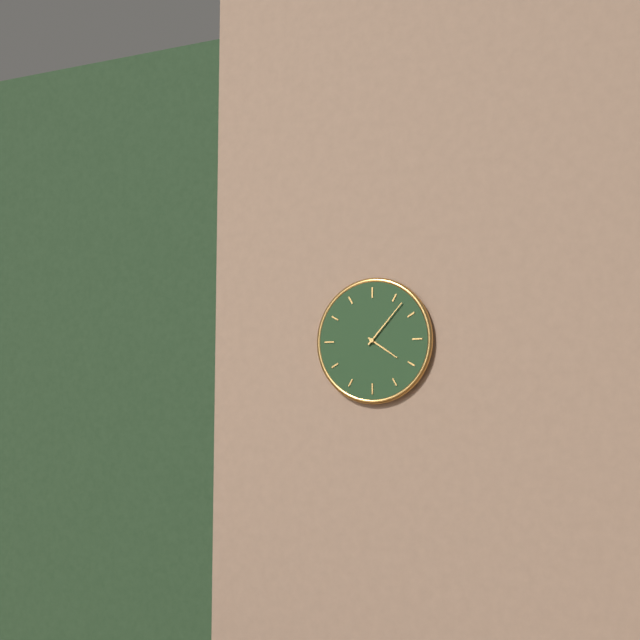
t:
4,07
